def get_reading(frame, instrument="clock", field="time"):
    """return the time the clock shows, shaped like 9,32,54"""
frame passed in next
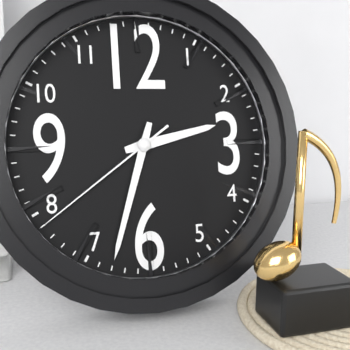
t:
2,33,39
